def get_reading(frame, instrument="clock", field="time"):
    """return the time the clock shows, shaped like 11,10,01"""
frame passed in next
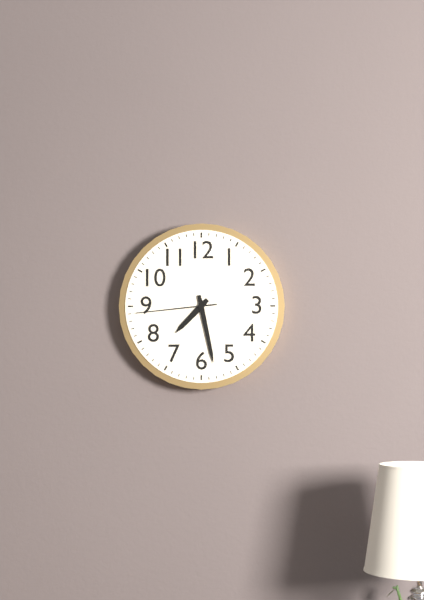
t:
7,28,44
